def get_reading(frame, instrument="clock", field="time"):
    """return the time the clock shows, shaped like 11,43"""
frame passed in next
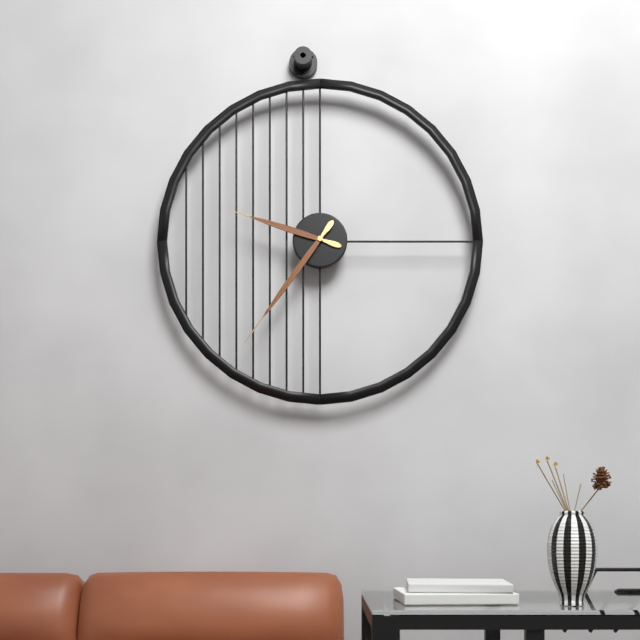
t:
9,36
